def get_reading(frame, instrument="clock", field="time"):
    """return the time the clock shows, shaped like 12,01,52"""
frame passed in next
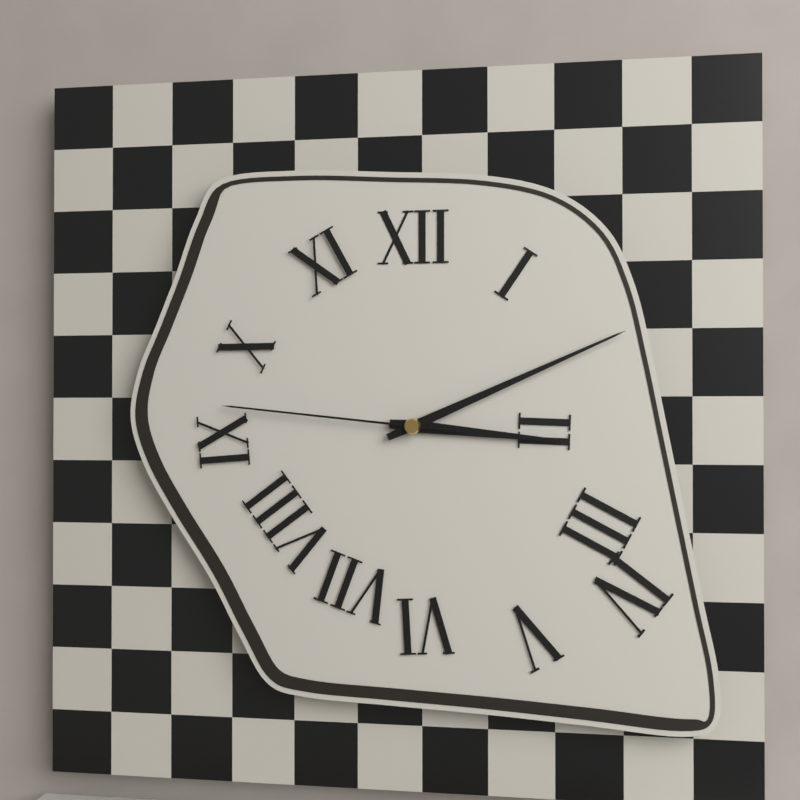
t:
3,11,46
